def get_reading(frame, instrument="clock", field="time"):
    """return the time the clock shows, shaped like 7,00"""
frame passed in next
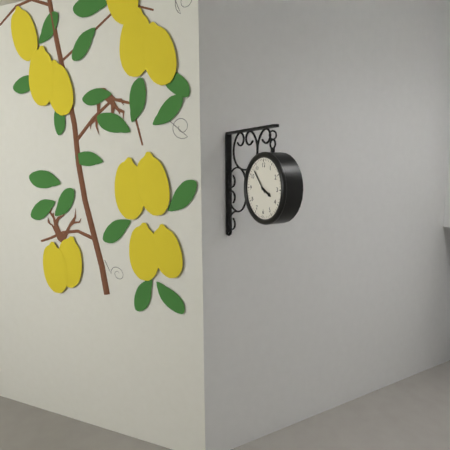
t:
3,53
